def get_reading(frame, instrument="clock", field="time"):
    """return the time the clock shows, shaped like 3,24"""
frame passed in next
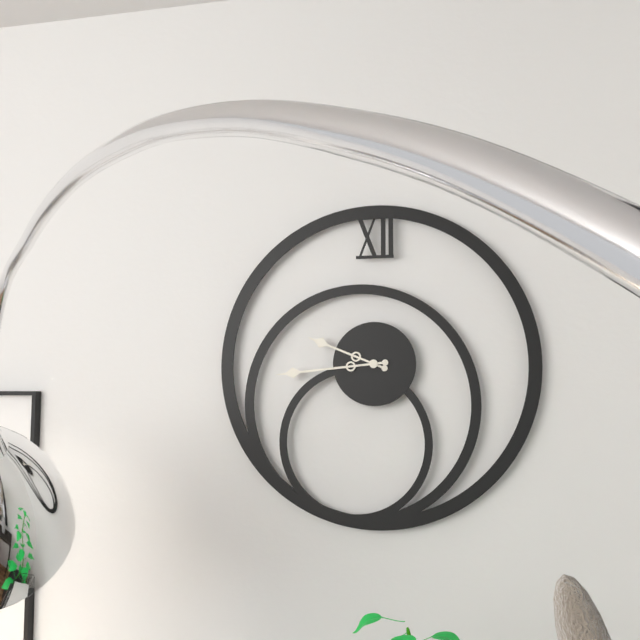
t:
9,44
